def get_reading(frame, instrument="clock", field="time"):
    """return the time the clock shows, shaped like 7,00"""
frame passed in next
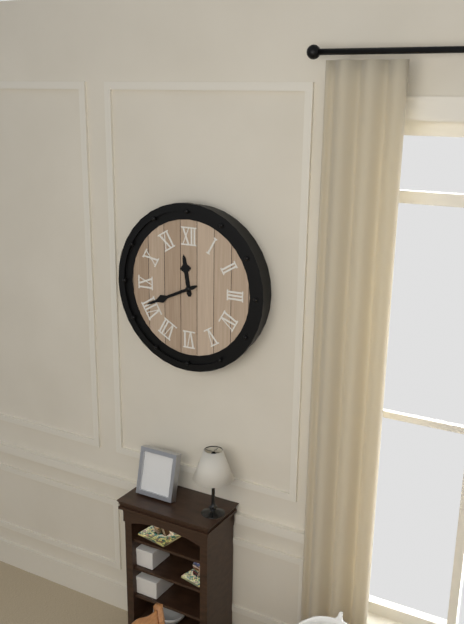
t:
11,41
